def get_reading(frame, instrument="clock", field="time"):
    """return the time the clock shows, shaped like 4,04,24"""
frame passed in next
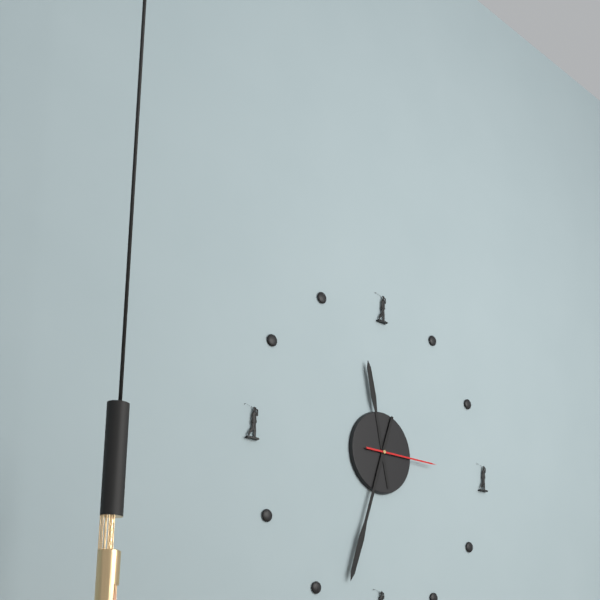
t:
11,33,15
